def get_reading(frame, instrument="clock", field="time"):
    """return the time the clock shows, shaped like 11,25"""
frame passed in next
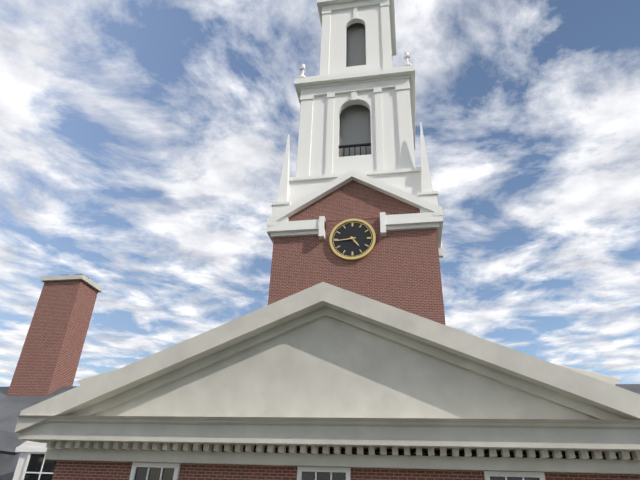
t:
4,44
